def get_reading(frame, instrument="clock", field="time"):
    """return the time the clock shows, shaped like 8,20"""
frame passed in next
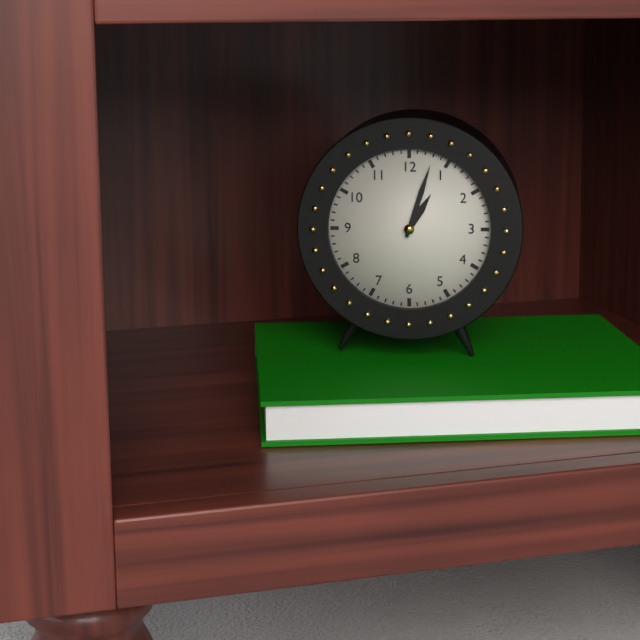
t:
1,03
